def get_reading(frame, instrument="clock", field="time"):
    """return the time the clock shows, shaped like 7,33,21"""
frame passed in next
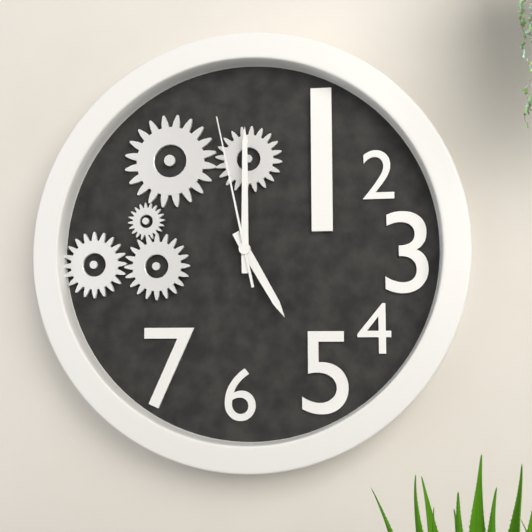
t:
5,00,58
